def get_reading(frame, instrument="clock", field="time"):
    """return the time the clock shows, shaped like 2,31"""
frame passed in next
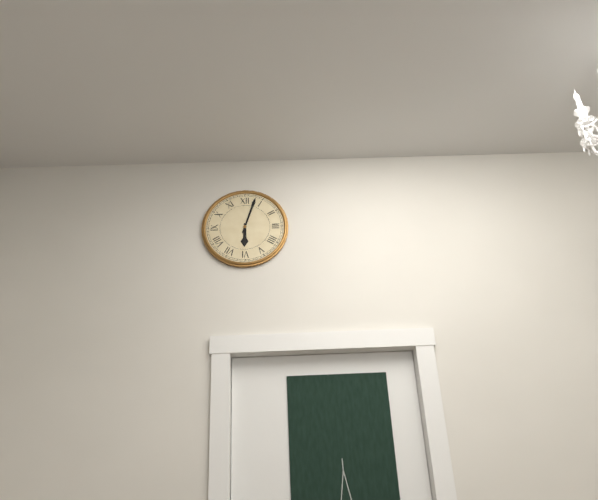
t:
6,03
